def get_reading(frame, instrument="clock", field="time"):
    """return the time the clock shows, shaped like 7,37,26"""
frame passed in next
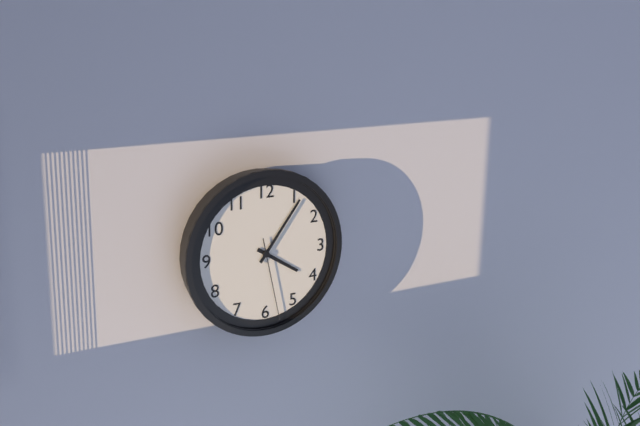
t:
4,06,28
